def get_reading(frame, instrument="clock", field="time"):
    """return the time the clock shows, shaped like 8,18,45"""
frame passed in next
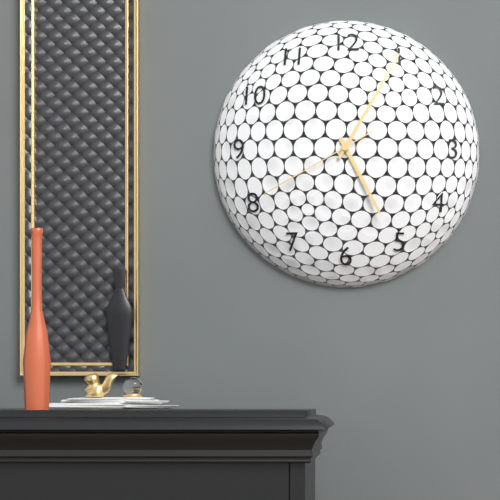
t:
5,05,40
